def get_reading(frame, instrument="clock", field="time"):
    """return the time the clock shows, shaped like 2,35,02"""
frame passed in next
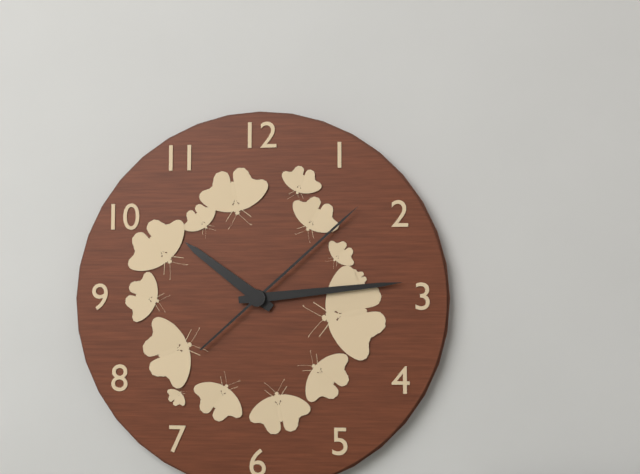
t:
10,14,08
